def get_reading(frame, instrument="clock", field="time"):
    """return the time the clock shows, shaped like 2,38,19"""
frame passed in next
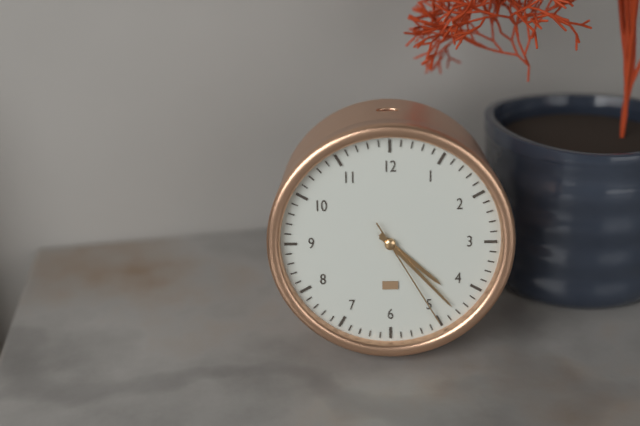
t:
4,23,25
